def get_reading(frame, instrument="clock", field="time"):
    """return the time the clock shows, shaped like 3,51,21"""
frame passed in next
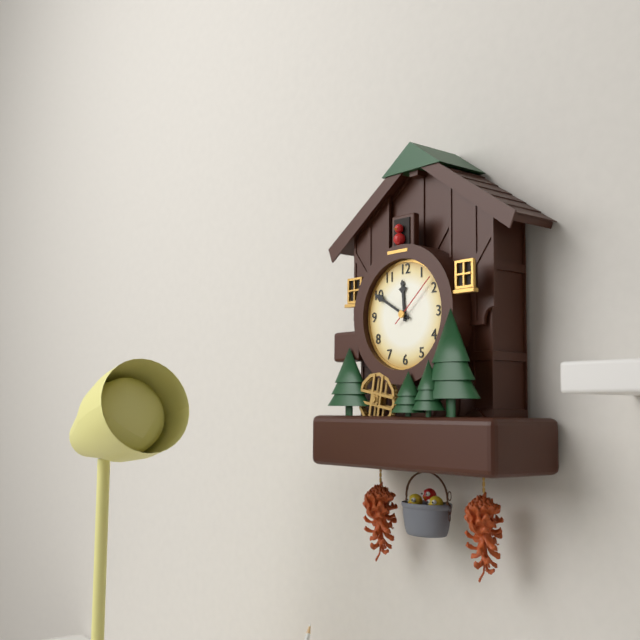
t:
11,50,08
